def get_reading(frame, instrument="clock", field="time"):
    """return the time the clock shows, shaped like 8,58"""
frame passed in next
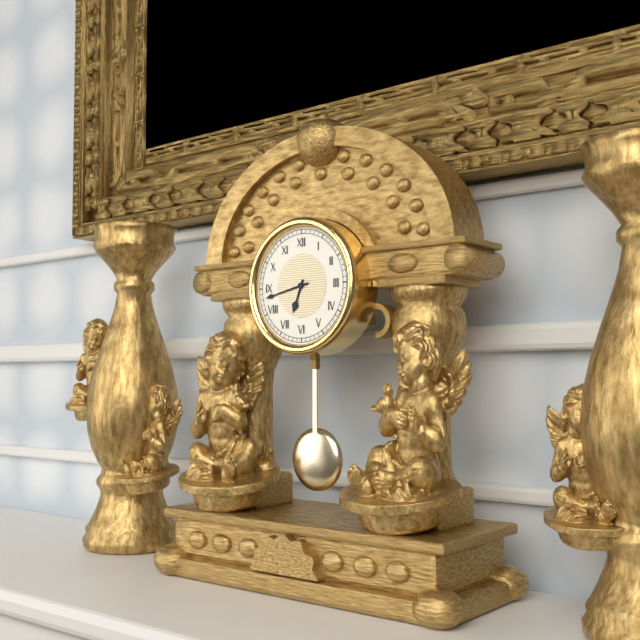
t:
6,43
